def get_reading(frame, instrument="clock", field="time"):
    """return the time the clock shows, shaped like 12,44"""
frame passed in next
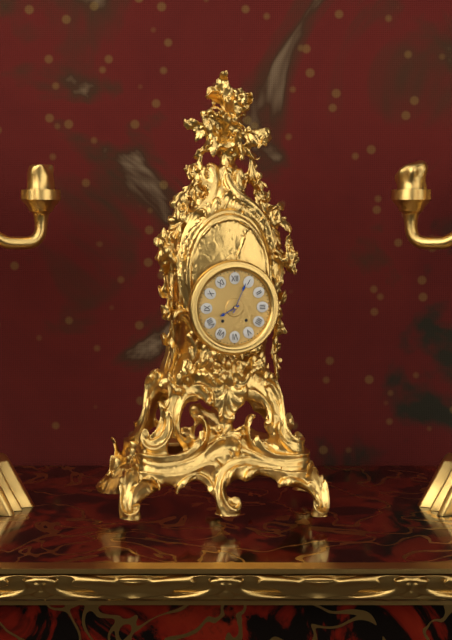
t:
8,04
